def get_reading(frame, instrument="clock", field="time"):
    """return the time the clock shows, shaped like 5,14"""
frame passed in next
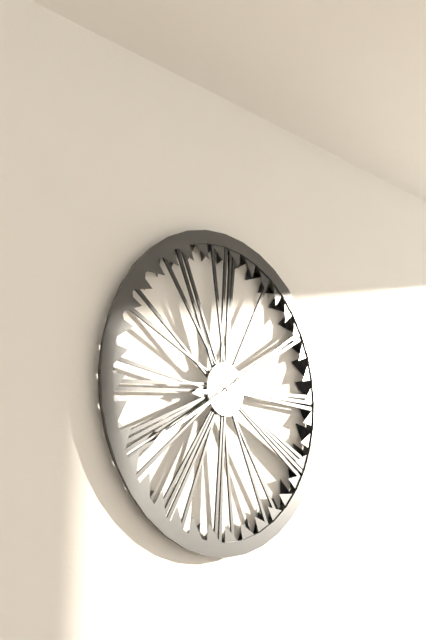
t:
8,40
